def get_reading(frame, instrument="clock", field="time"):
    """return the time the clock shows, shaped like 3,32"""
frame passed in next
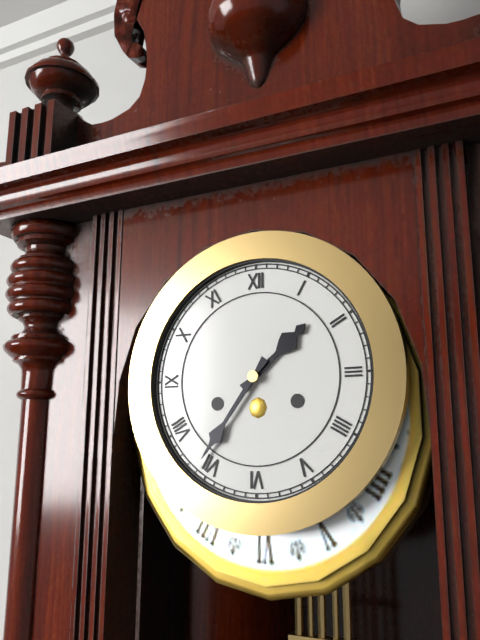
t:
1,36
